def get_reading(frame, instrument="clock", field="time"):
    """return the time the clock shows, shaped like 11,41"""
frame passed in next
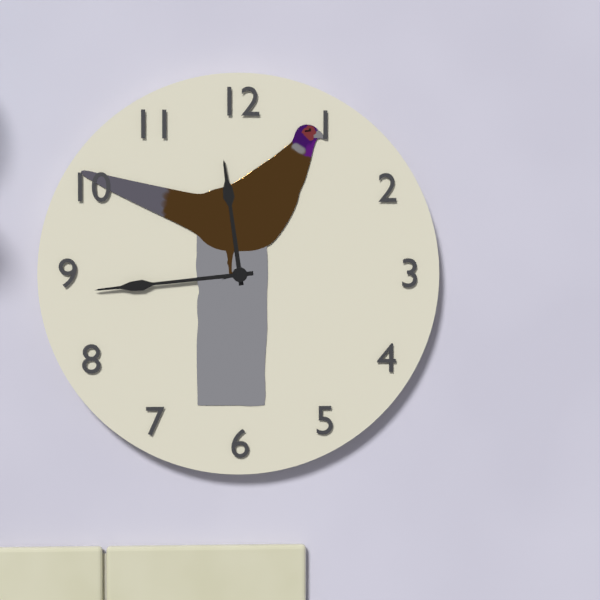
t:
11,44
